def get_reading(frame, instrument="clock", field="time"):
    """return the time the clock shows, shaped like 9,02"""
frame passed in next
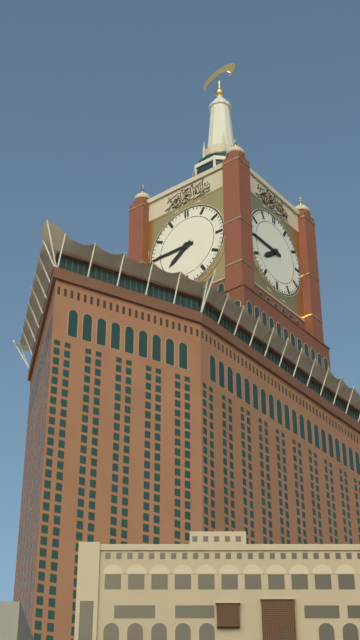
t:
7,45
